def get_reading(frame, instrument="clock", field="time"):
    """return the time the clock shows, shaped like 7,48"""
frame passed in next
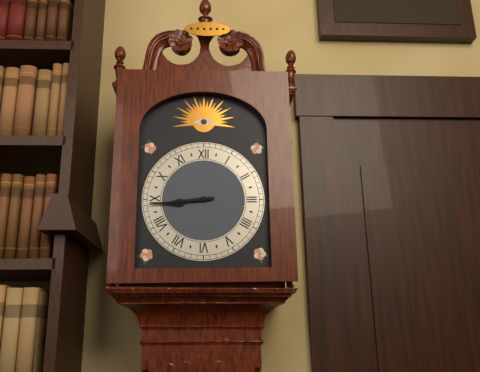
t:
8,44
